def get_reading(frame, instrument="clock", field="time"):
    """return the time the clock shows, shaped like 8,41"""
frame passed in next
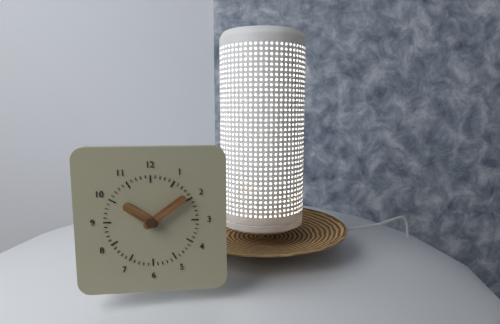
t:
10,09
